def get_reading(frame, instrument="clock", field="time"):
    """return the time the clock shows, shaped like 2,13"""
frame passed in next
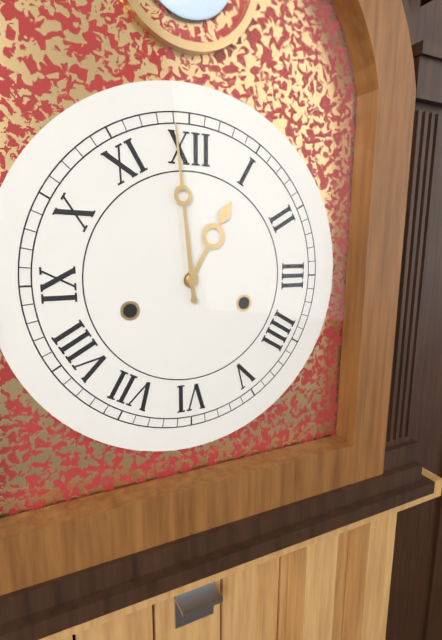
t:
12,59
